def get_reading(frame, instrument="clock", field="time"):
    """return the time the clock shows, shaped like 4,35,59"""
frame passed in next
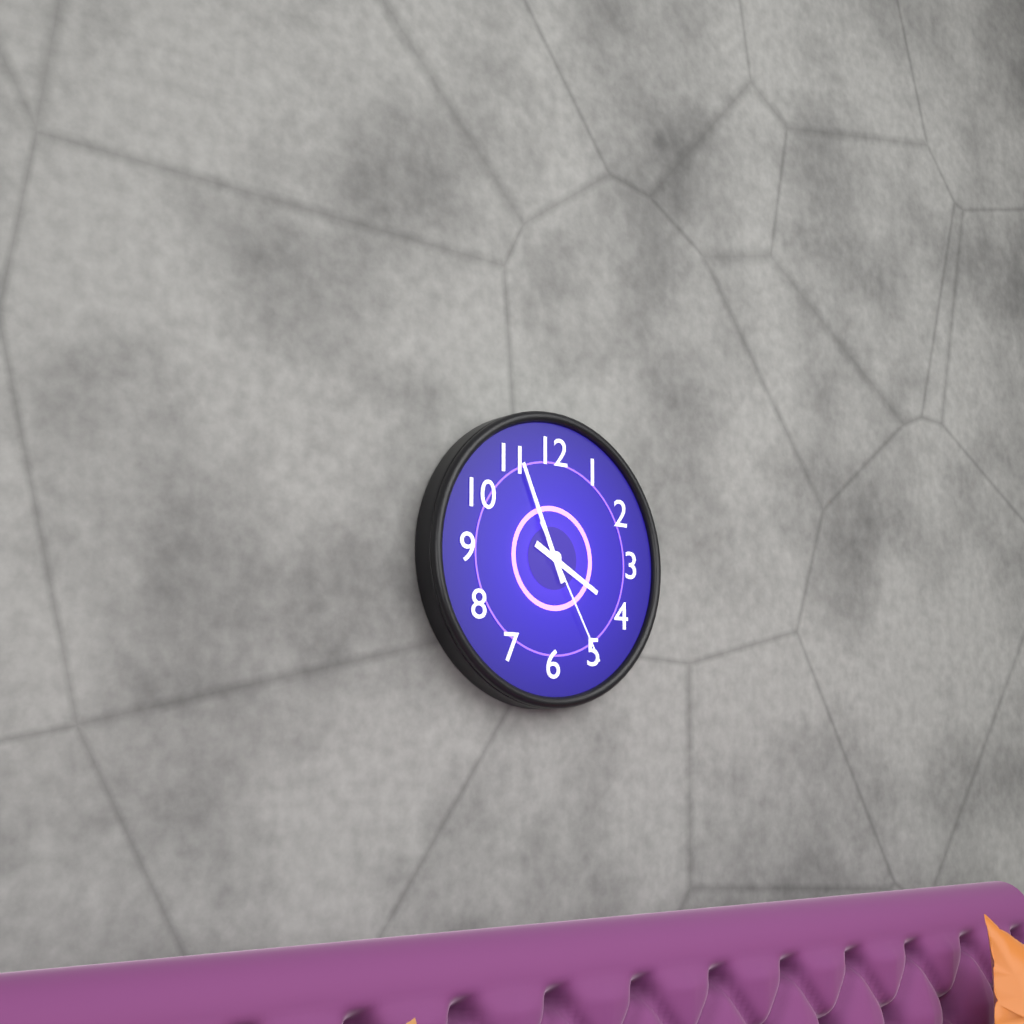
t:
3,56,25
